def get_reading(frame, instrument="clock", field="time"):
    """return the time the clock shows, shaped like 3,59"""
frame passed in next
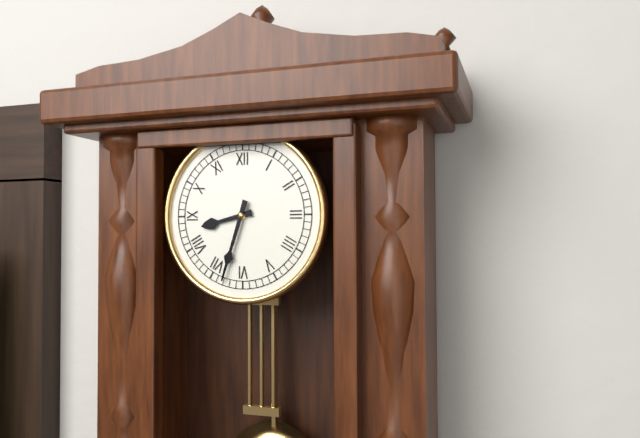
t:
8,33
